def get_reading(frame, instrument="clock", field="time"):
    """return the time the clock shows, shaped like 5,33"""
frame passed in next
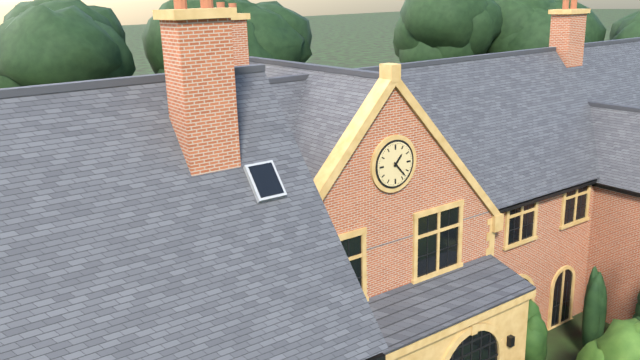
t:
1,23
